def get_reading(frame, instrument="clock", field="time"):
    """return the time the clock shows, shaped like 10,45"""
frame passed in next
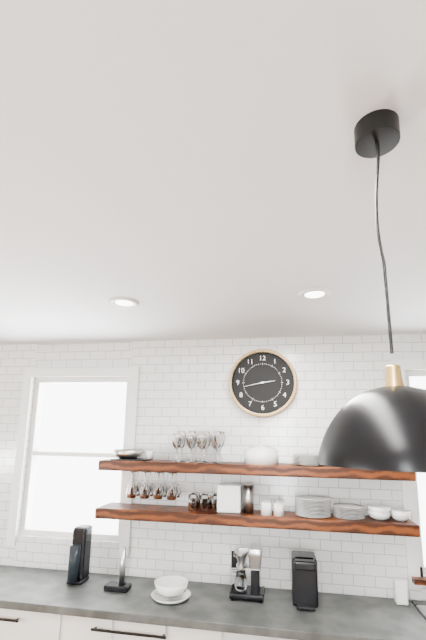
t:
2,43
